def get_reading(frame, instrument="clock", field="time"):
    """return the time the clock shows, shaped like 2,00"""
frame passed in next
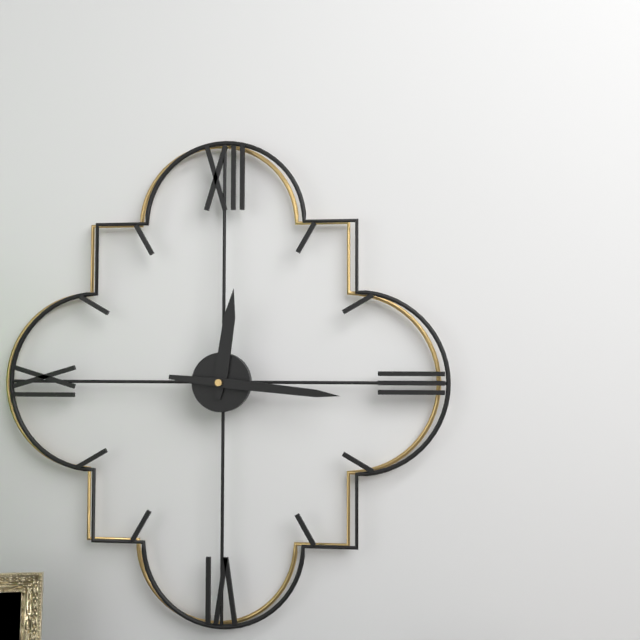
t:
12,16
